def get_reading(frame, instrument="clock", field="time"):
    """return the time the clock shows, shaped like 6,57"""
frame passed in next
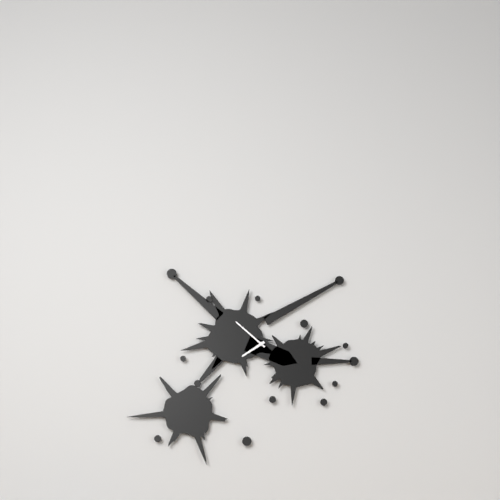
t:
7,52
